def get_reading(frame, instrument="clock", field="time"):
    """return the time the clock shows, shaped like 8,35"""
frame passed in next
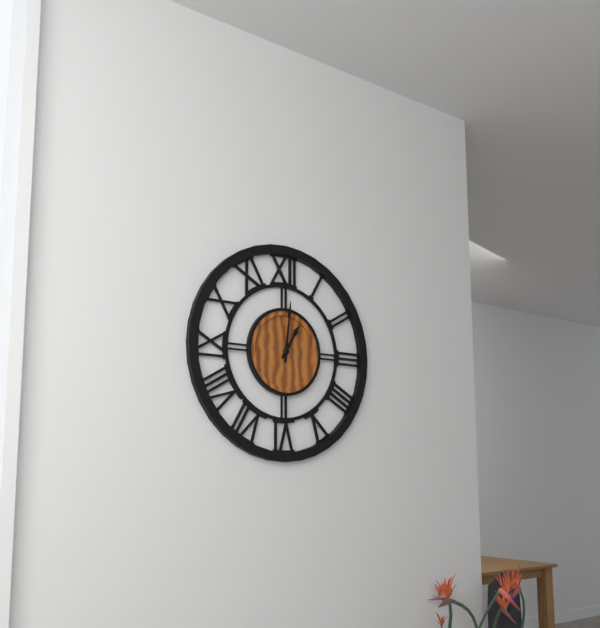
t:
1,01
